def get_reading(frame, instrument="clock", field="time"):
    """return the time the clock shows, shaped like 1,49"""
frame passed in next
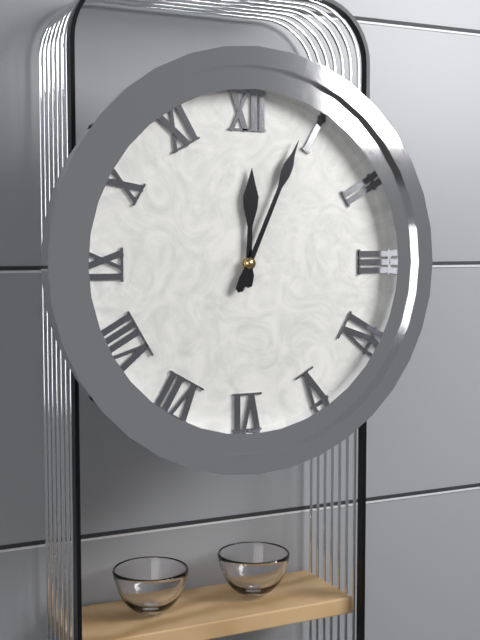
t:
12,04
